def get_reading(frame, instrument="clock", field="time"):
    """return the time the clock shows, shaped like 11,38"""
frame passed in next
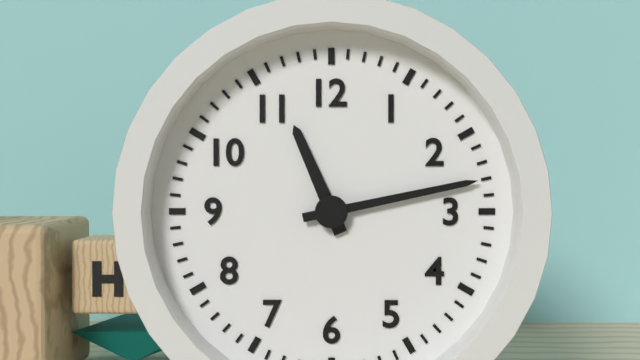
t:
11,13
